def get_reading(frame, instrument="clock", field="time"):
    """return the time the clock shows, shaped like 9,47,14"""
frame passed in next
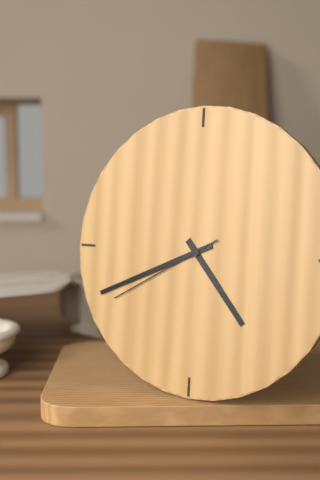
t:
4,41,40
